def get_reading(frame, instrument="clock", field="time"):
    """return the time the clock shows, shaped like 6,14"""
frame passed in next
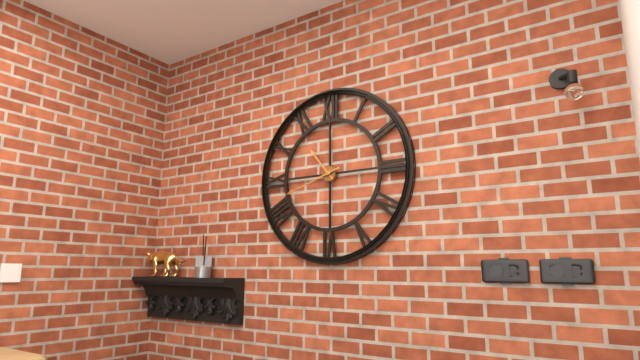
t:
10,42
